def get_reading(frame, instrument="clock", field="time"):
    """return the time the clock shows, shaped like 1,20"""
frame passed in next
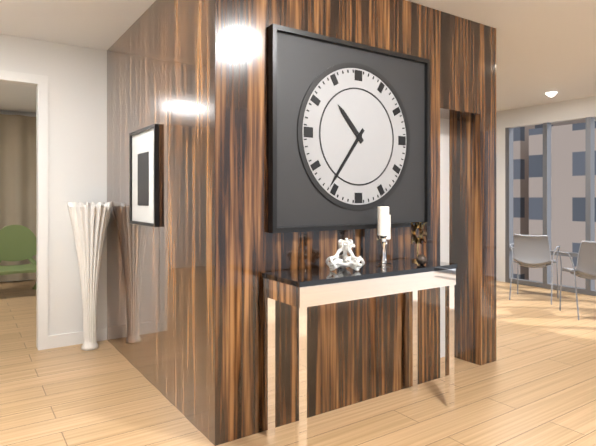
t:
10,36
